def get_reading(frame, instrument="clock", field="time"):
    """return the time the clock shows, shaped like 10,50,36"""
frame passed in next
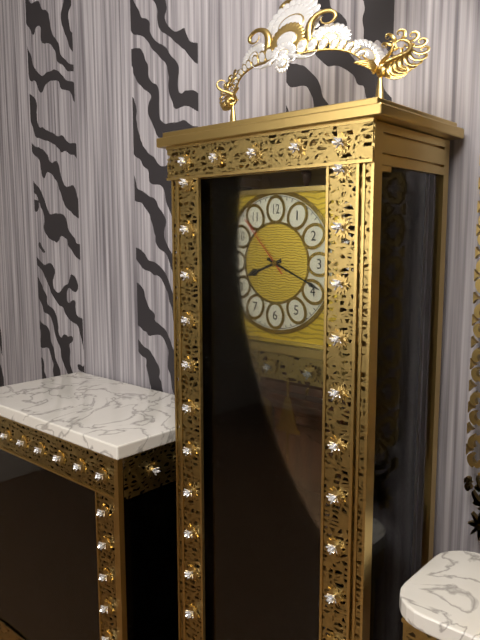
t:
8,19,53
